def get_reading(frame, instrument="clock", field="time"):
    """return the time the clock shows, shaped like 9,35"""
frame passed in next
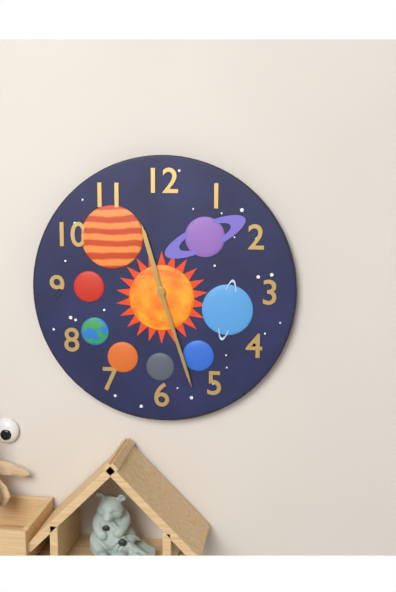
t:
11,27
